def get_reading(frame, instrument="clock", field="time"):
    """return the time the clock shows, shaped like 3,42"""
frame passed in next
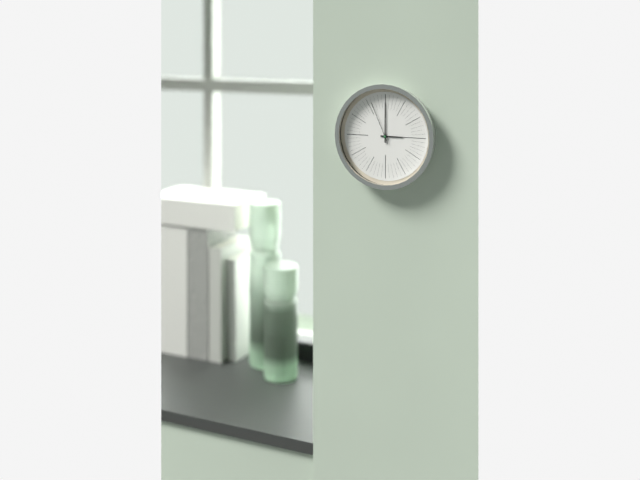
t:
3,00
